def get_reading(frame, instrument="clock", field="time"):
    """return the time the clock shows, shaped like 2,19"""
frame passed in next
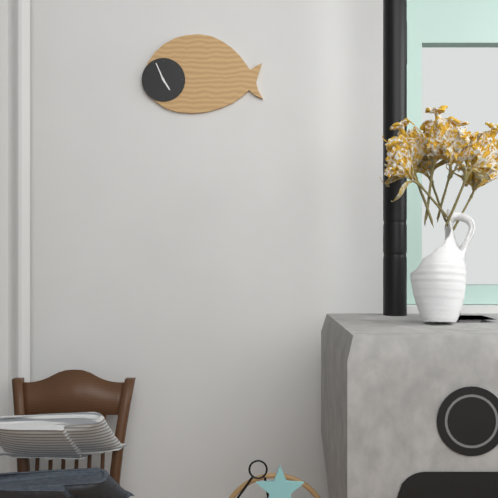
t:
4,56
